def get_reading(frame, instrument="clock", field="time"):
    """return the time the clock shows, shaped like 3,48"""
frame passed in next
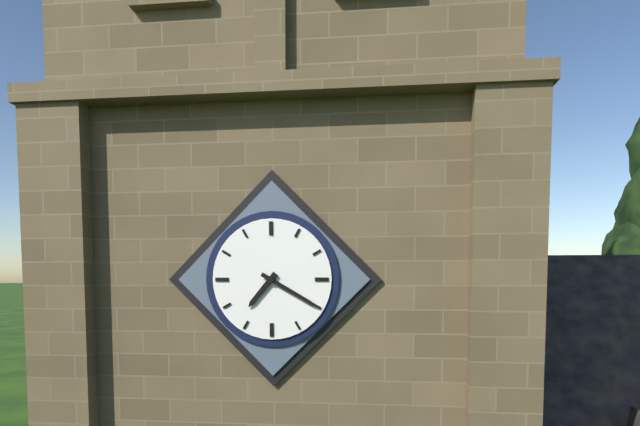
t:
7,20
